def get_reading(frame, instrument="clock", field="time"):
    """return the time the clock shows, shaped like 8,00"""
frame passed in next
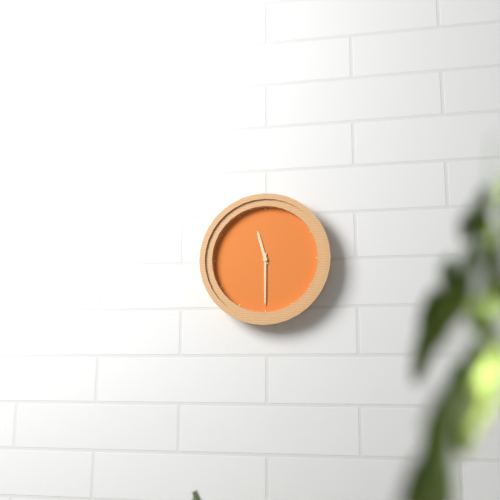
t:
11,30
